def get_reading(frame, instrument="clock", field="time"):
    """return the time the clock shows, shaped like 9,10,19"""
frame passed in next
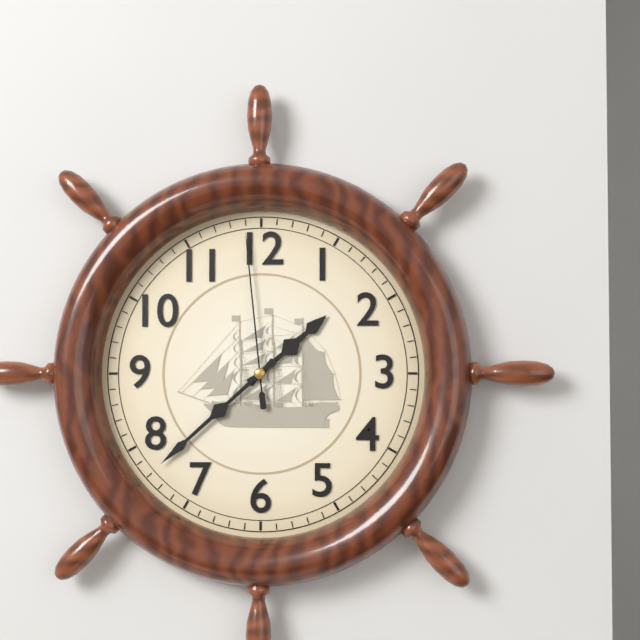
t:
1,38,59
